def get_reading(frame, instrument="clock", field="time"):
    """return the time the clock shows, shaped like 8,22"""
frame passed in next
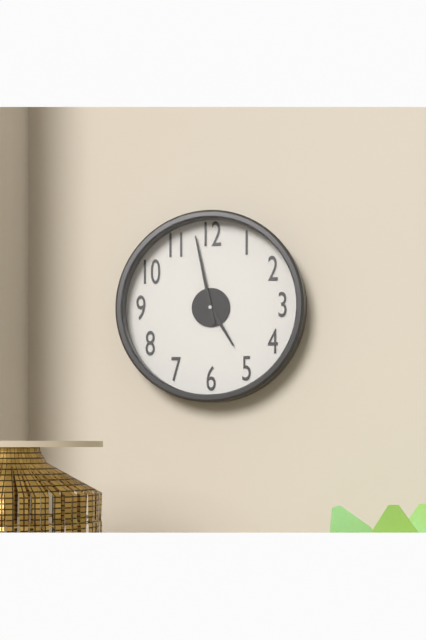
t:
4,58
